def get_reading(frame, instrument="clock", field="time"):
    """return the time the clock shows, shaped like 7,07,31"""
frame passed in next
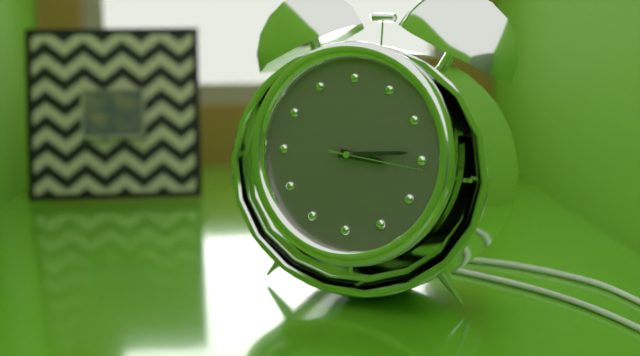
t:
3,14,16
